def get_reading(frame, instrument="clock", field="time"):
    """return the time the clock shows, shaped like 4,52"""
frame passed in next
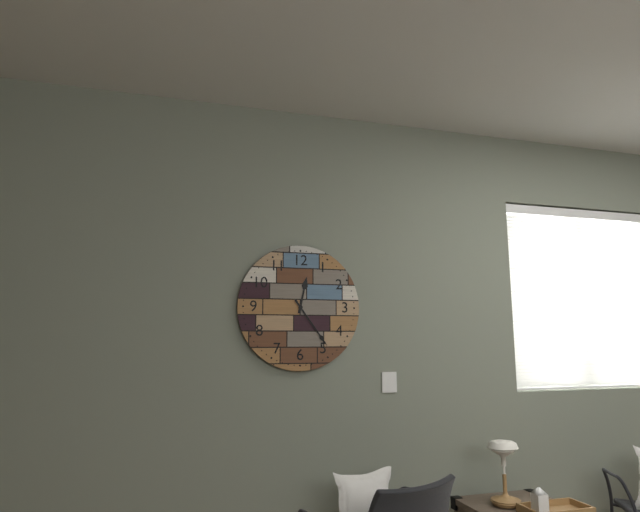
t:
12,24
